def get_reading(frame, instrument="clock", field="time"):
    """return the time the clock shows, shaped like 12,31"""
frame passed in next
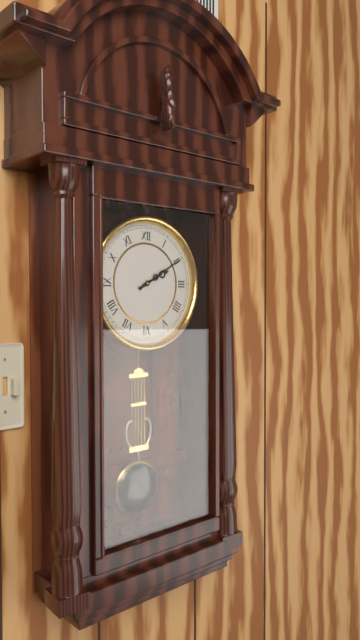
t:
2,10
